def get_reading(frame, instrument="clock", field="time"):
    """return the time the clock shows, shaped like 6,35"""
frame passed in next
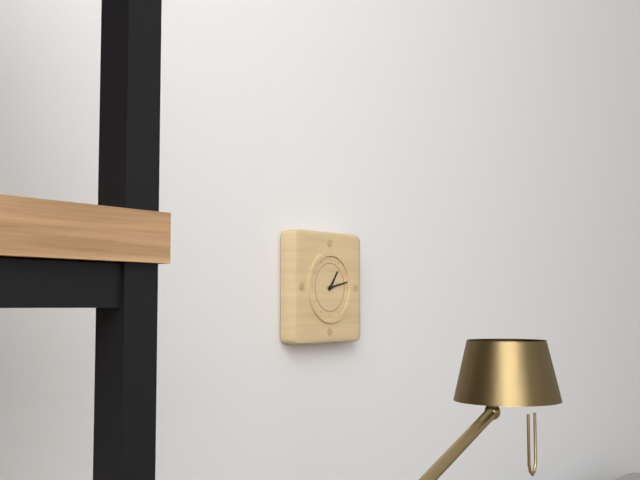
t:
1,13
